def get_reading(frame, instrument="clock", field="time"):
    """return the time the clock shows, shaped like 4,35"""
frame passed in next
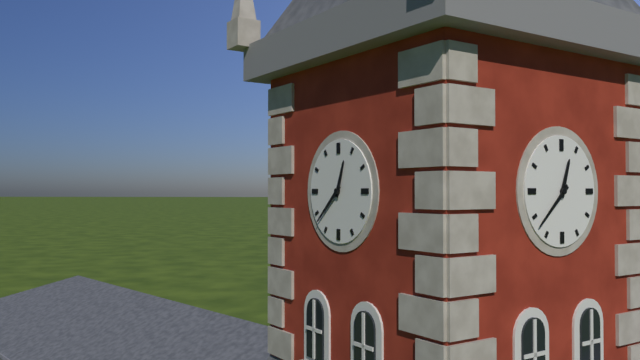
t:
12,38
